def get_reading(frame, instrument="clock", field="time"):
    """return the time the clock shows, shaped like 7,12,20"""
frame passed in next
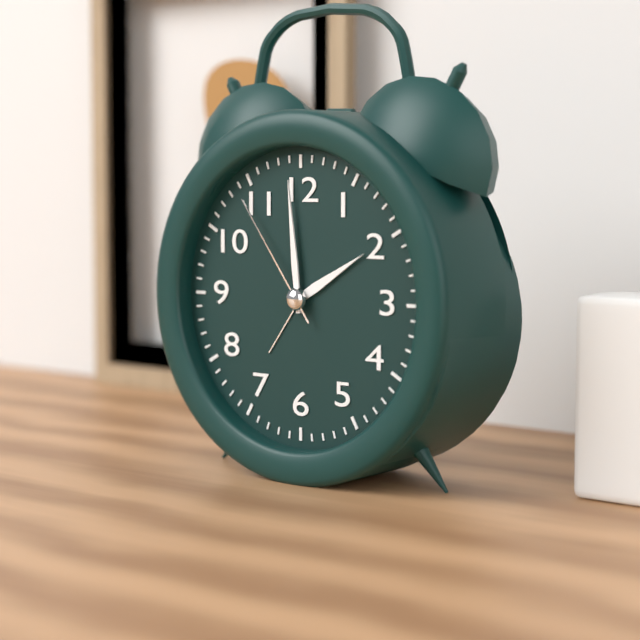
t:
1,59,54
